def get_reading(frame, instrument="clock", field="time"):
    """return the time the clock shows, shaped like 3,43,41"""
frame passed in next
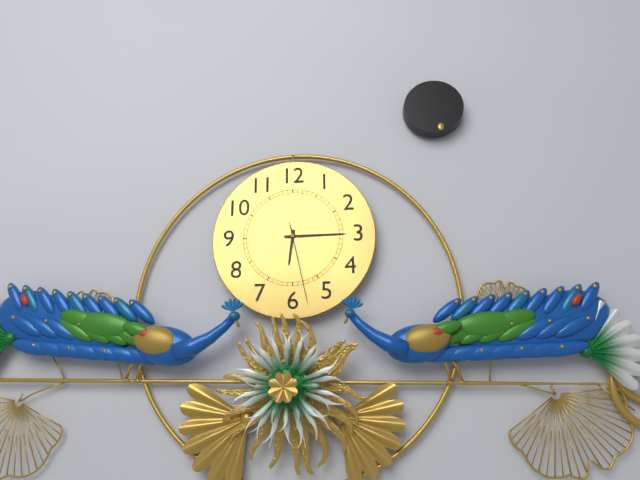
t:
6,15,28
